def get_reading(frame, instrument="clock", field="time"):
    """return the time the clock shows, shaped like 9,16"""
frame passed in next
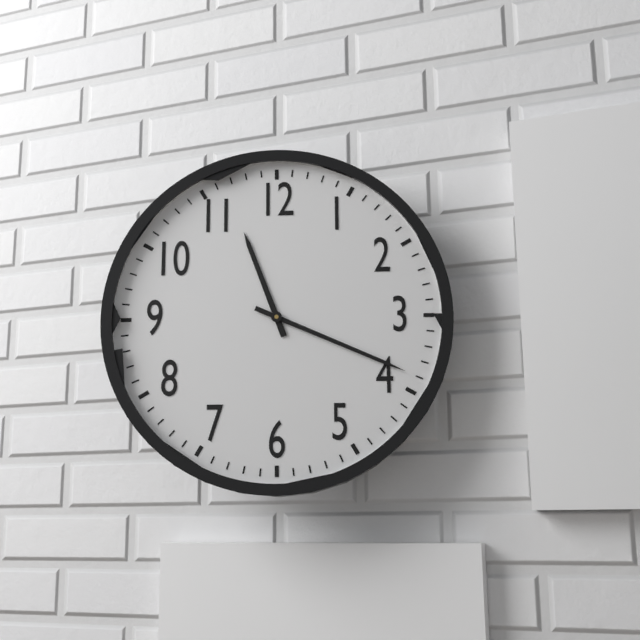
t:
11,19
